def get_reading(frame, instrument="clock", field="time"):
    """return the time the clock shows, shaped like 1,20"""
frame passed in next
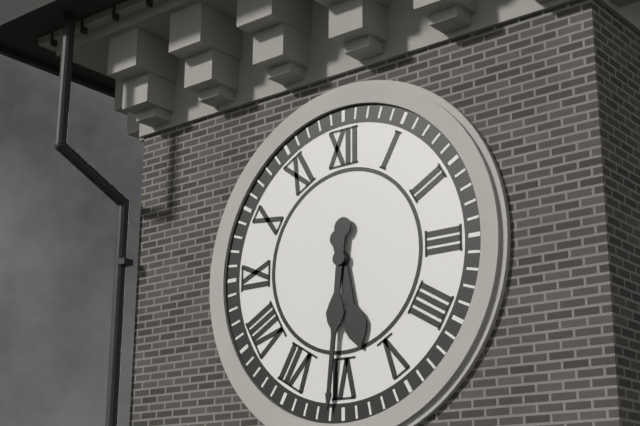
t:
5,31
